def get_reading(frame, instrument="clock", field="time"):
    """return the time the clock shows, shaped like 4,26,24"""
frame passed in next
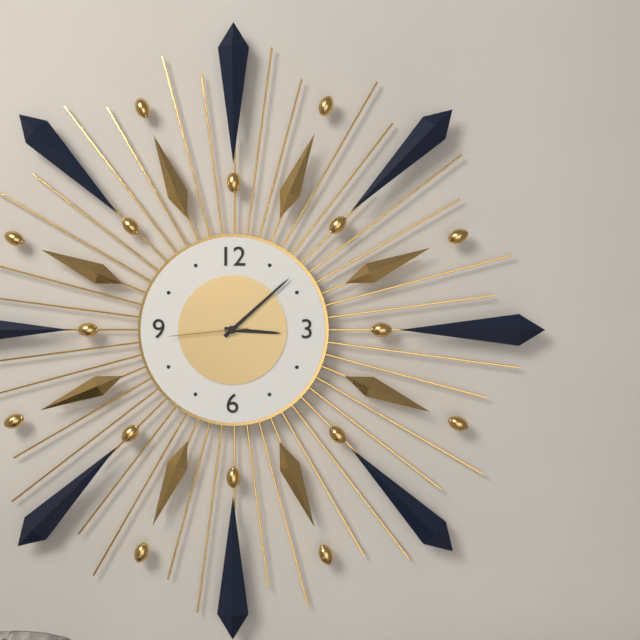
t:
3,08,44
